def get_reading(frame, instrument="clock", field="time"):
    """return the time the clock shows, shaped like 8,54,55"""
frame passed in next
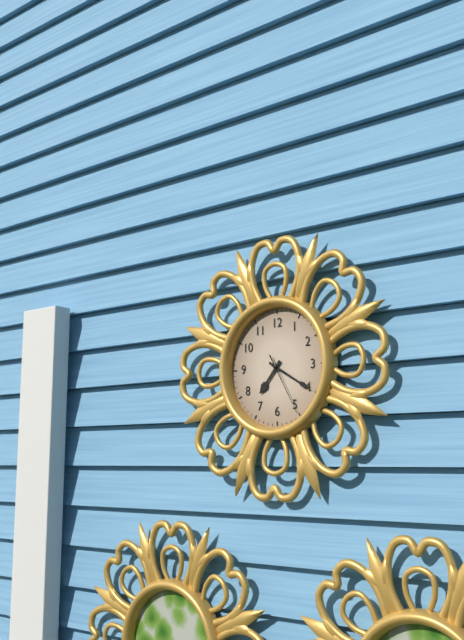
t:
7,20,25
